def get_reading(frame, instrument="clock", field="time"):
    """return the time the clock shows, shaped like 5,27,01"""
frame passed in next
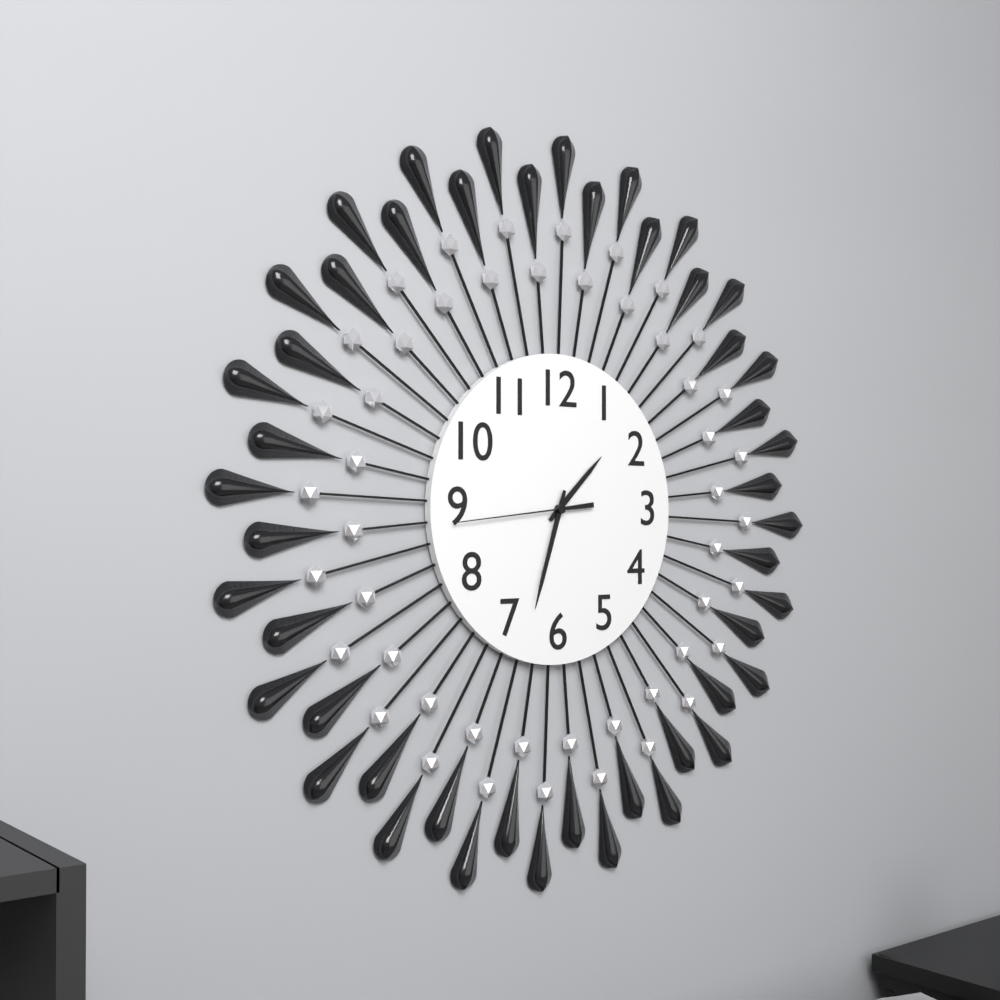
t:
1,33,44
